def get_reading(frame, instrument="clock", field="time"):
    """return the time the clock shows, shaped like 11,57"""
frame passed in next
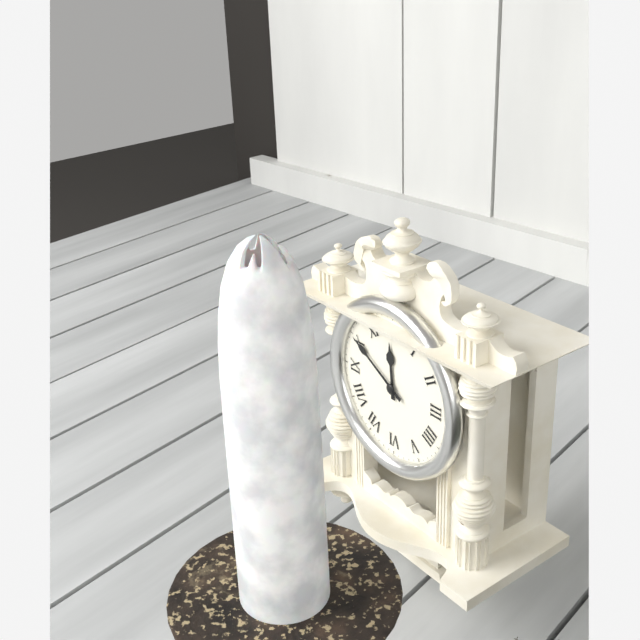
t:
11,50
